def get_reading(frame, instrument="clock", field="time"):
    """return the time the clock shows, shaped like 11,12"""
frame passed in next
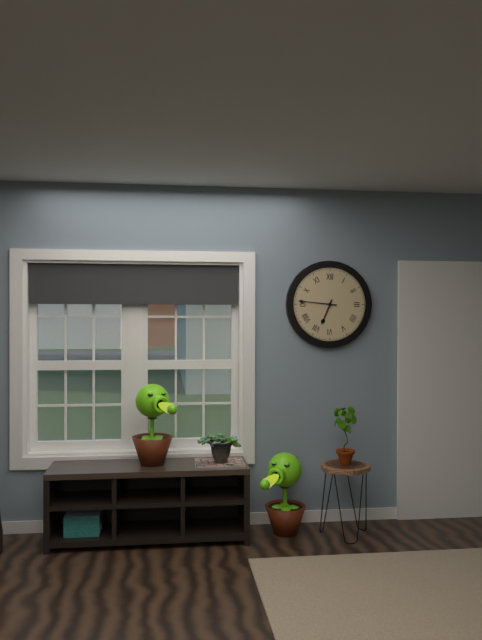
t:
6,46
